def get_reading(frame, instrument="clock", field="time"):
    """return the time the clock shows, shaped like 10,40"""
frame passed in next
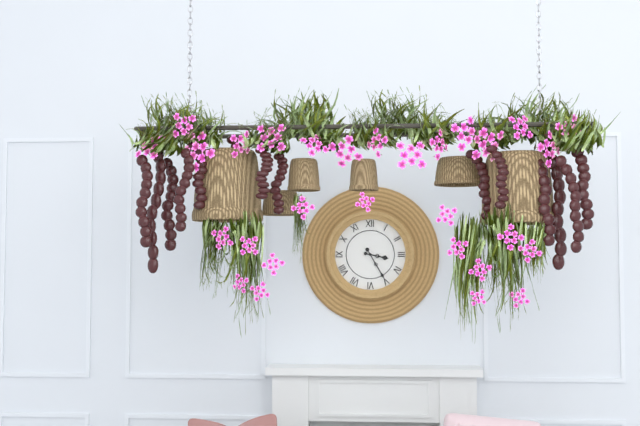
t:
3,25
